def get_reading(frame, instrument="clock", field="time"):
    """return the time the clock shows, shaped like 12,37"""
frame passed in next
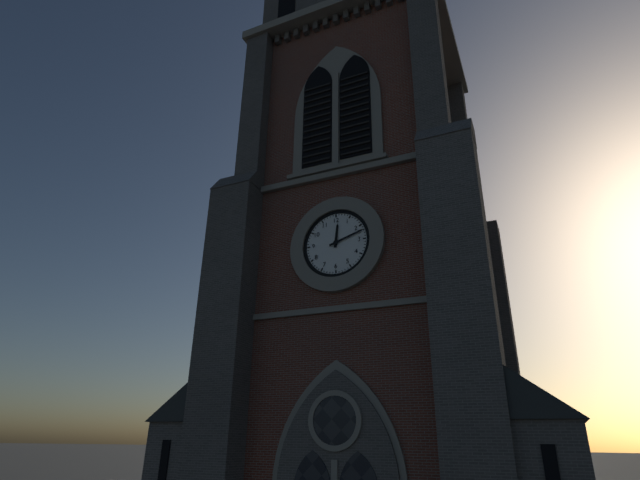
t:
12,12
